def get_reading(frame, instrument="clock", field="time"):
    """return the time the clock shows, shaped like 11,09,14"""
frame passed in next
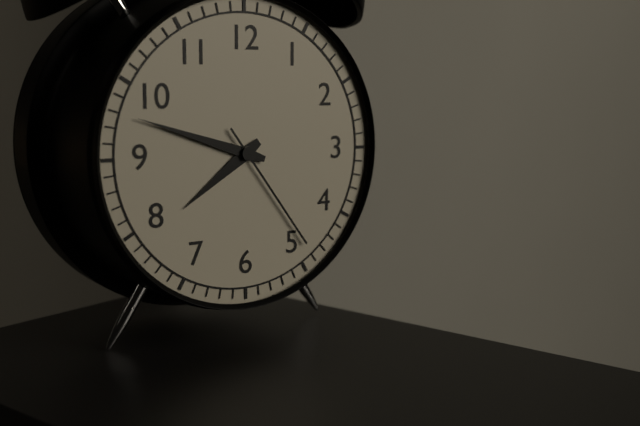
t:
7,48,24
